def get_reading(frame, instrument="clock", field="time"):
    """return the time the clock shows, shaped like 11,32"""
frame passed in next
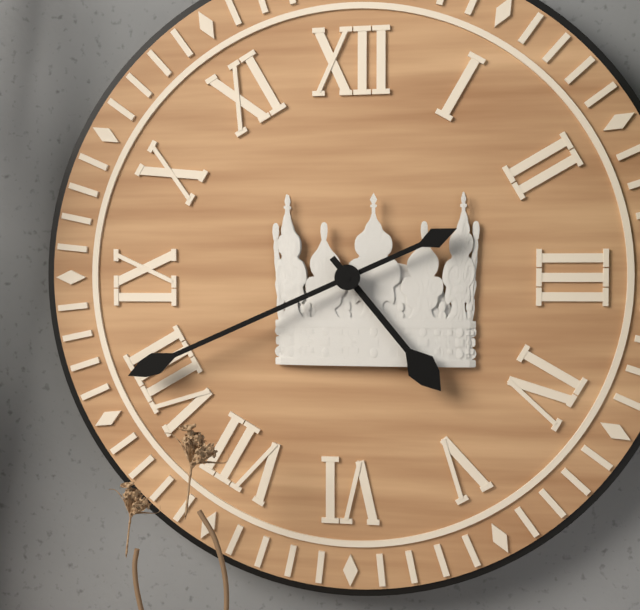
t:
4,41
